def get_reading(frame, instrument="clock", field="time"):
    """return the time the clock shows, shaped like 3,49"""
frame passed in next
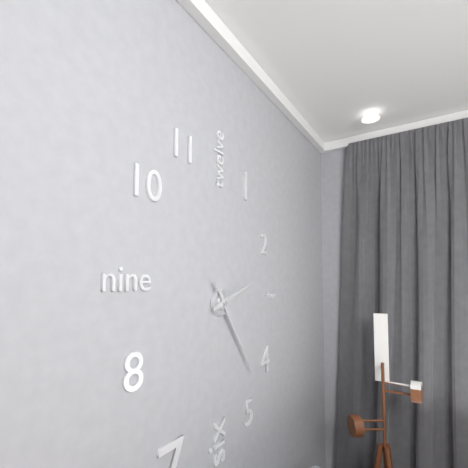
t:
2,24
